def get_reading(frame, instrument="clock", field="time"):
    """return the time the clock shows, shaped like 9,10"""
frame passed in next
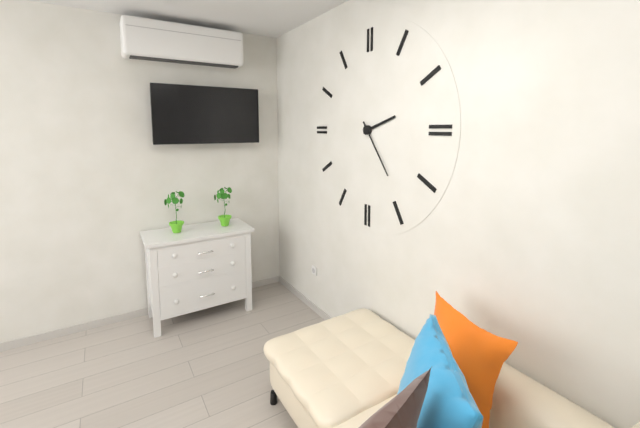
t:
2,24
